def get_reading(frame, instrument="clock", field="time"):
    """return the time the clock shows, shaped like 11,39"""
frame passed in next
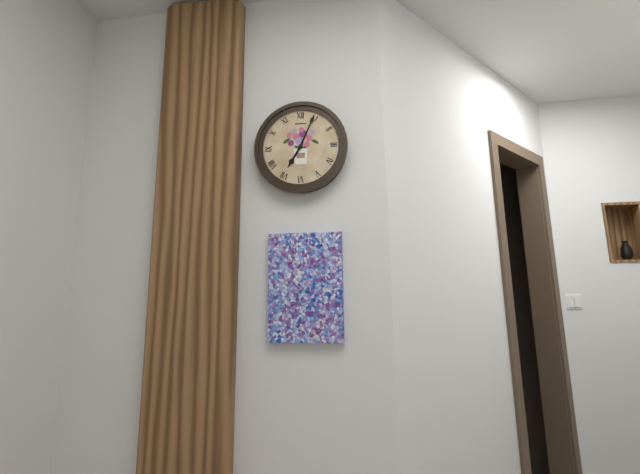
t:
7,04
